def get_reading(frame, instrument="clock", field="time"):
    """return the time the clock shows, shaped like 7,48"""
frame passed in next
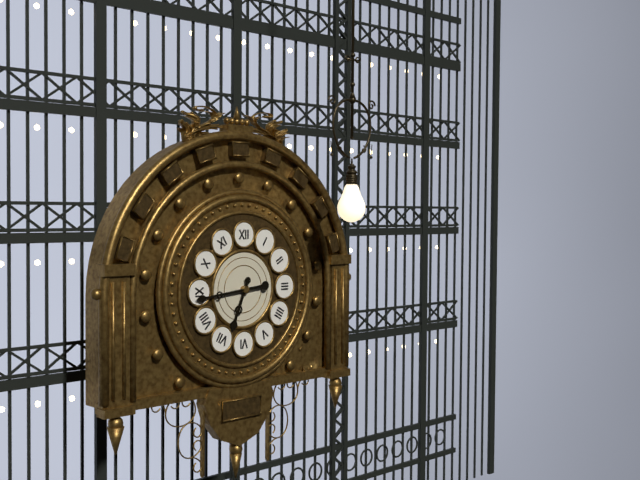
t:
6,44
